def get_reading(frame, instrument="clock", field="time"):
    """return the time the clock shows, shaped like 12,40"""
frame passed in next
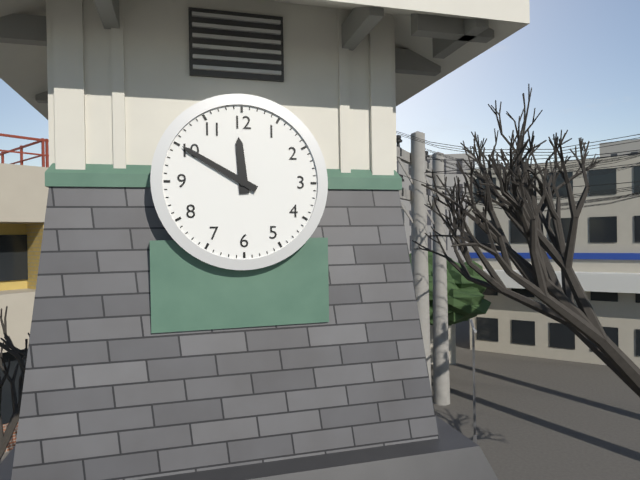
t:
11,50
